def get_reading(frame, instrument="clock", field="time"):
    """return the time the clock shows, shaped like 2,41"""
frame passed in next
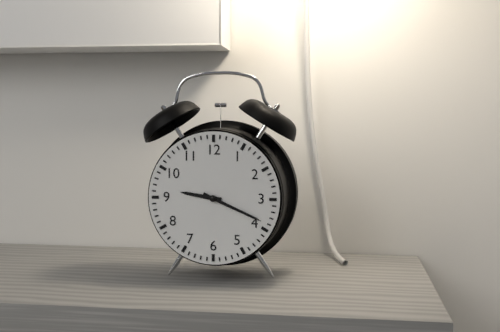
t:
9,19
